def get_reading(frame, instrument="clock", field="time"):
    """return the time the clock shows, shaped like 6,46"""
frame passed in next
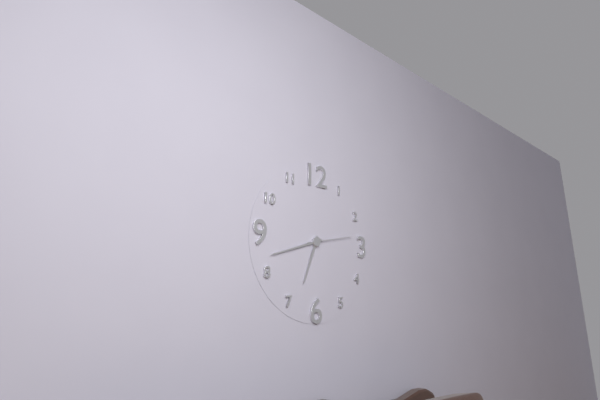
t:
6,42
